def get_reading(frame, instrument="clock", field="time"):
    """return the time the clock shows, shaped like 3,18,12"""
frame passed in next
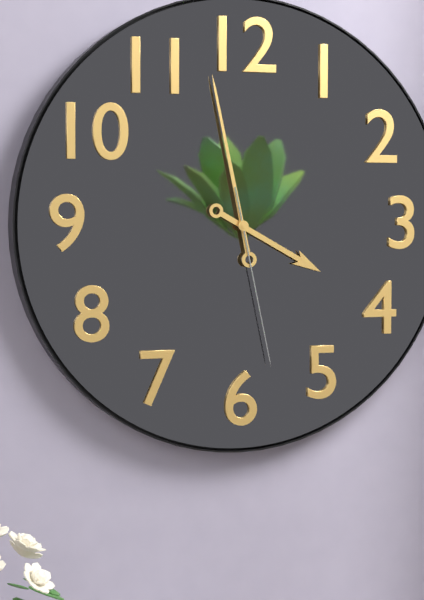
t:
3,58,28
